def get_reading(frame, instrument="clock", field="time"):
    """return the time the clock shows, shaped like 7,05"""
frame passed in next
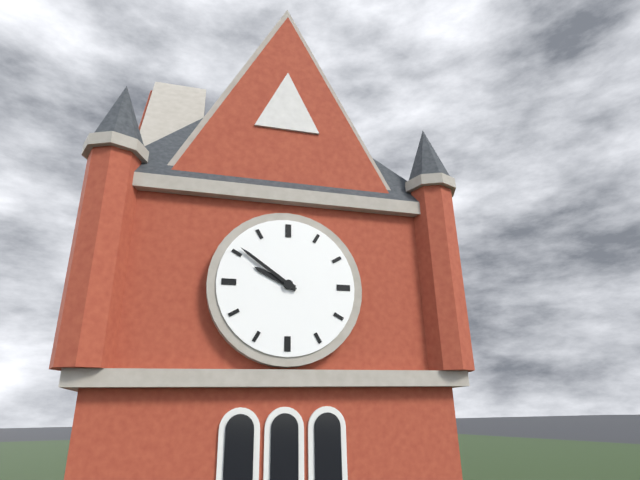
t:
9,51
